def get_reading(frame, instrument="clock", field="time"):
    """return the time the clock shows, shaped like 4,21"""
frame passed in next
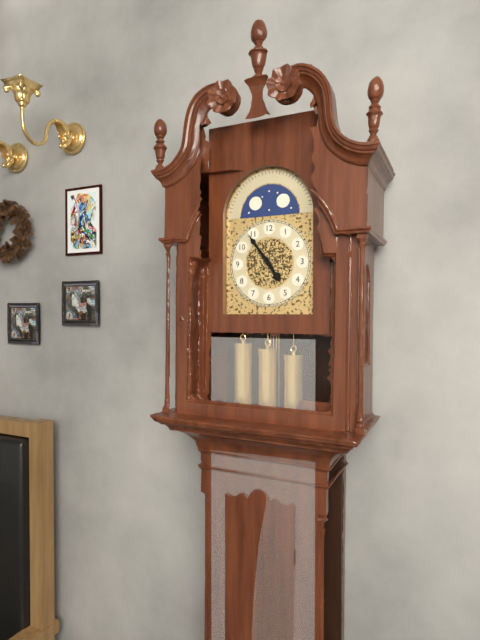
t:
4,54
